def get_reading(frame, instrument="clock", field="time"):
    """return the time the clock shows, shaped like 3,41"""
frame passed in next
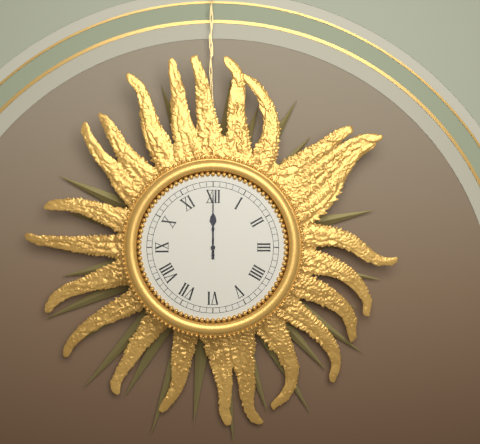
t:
12,00
